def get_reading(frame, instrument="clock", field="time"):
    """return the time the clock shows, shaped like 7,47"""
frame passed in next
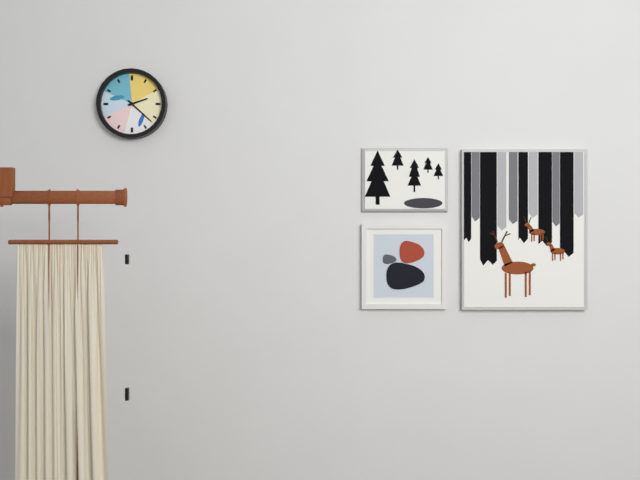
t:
2,22
